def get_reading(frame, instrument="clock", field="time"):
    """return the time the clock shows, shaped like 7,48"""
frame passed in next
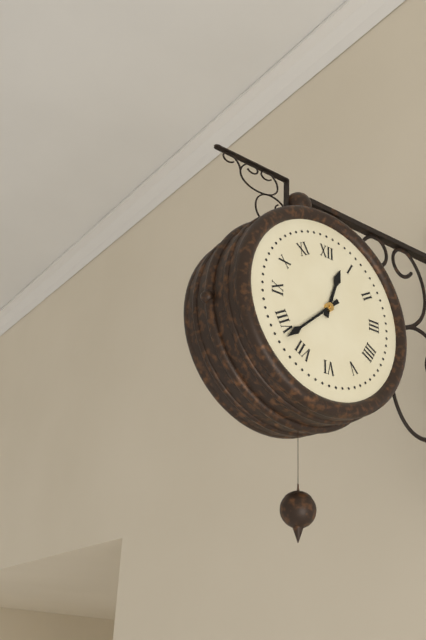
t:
12,38
